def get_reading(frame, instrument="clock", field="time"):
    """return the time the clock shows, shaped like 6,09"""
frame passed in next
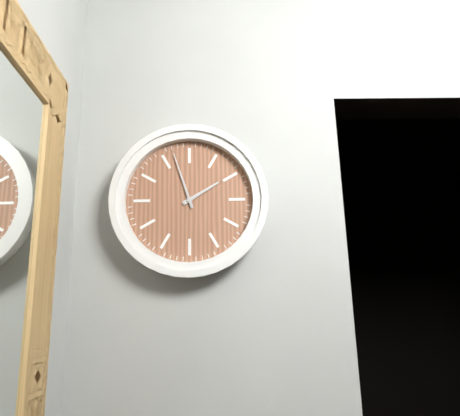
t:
1,57
